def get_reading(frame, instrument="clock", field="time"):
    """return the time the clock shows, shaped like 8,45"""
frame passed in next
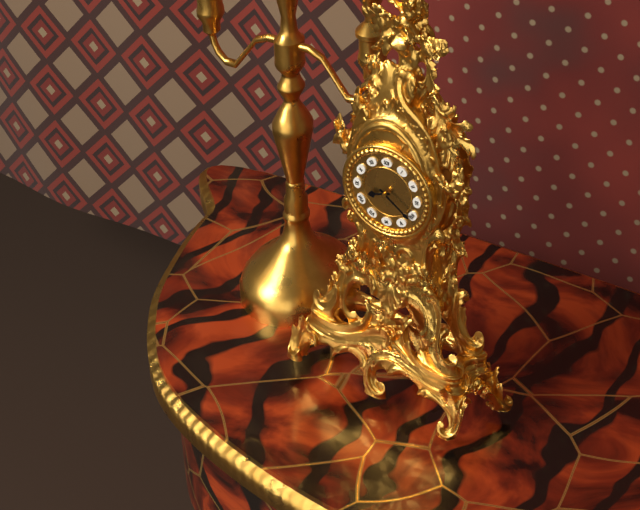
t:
8,21
